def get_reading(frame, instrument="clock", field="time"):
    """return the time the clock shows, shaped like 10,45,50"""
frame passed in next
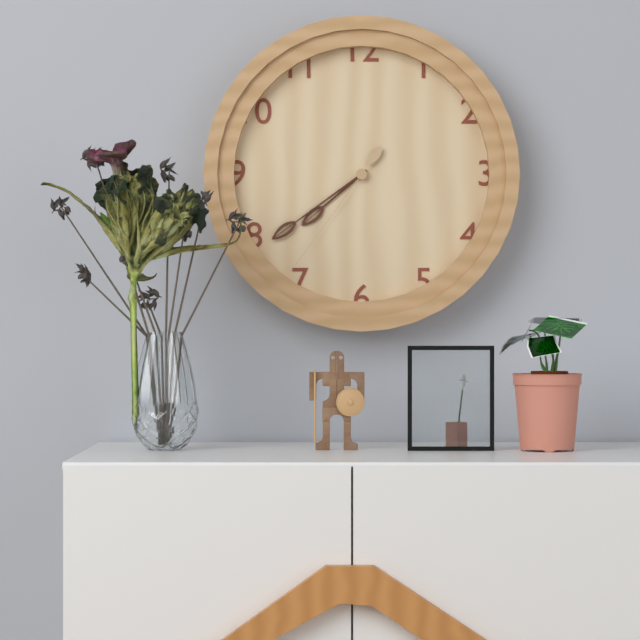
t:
7,39,36
